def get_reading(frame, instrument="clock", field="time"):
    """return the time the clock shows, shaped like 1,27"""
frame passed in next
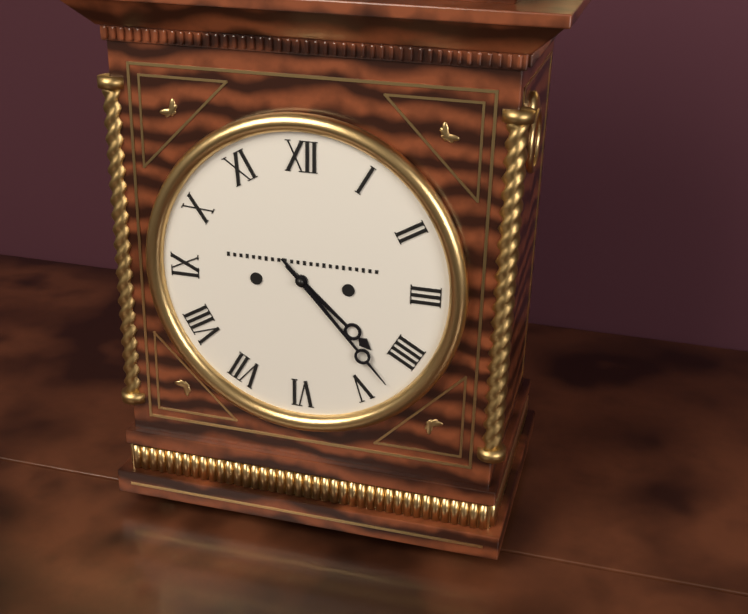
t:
4,23
